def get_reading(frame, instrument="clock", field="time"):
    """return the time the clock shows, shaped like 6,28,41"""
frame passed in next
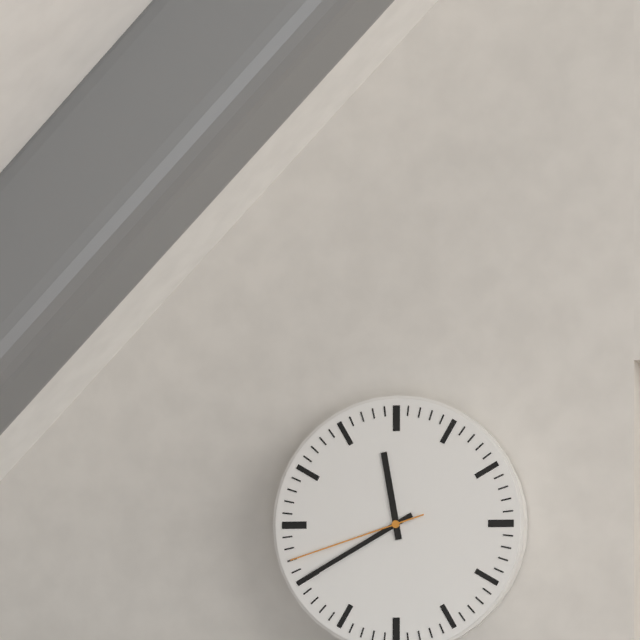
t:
11,40,42
